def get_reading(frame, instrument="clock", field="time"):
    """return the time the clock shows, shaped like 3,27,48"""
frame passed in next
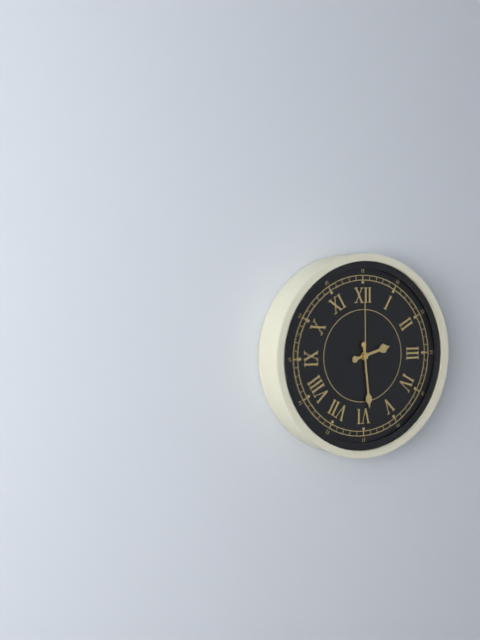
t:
2,29,00
